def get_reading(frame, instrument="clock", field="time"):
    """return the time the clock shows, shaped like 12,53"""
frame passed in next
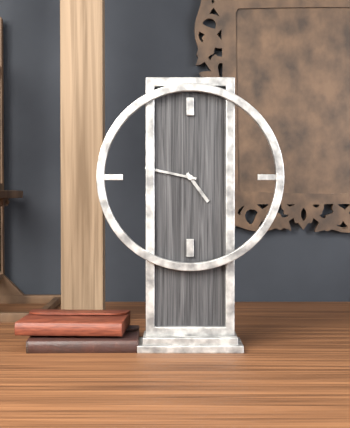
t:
4,47
